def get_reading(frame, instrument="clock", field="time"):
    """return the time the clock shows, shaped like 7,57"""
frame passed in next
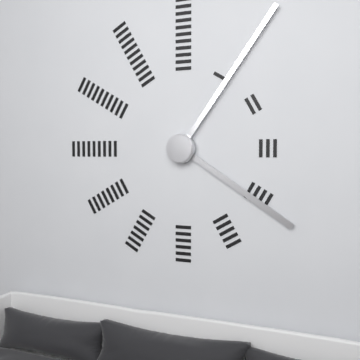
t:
4,06
